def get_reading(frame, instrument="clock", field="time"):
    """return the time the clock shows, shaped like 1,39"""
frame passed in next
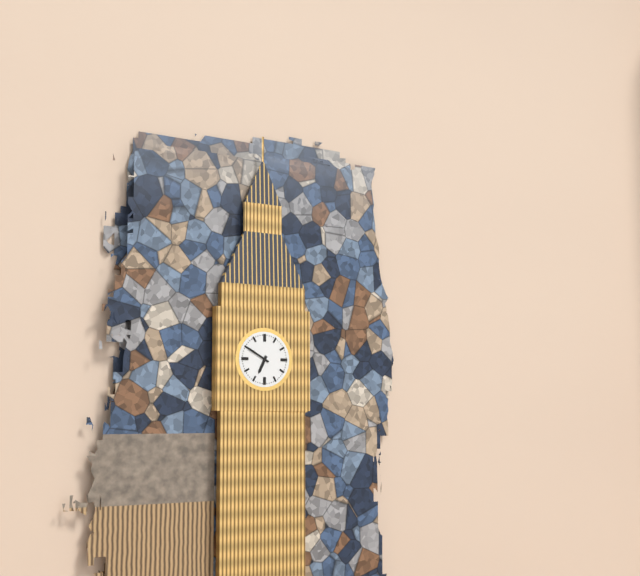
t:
6,50
